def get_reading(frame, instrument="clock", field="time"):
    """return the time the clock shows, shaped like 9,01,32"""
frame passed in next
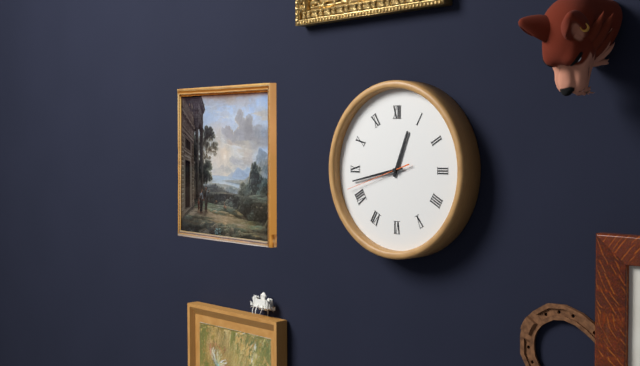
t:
12,43,42
